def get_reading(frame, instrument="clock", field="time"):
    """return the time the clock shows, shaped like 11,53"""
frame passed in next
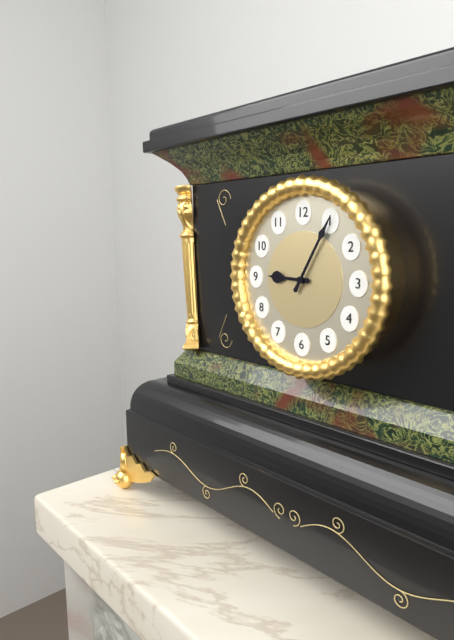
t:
9,05
